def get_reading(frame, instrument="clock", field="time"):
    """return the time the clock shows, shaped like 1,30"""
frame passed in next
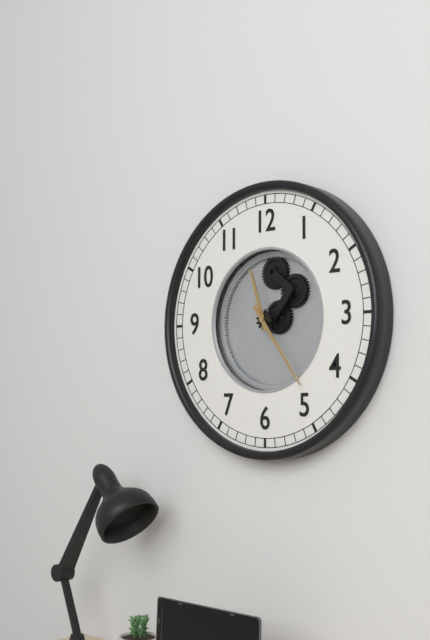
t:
11,24
